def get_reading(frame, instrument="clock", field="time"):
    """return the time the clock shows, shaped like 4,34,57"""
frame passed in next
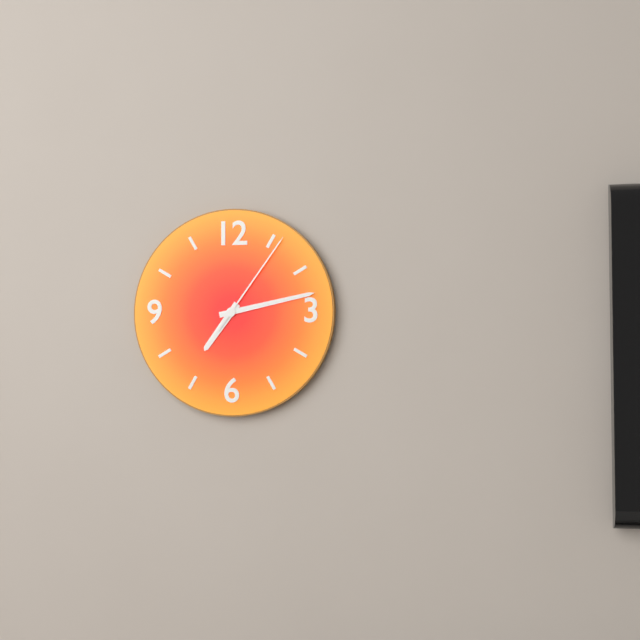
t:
7,13,06
